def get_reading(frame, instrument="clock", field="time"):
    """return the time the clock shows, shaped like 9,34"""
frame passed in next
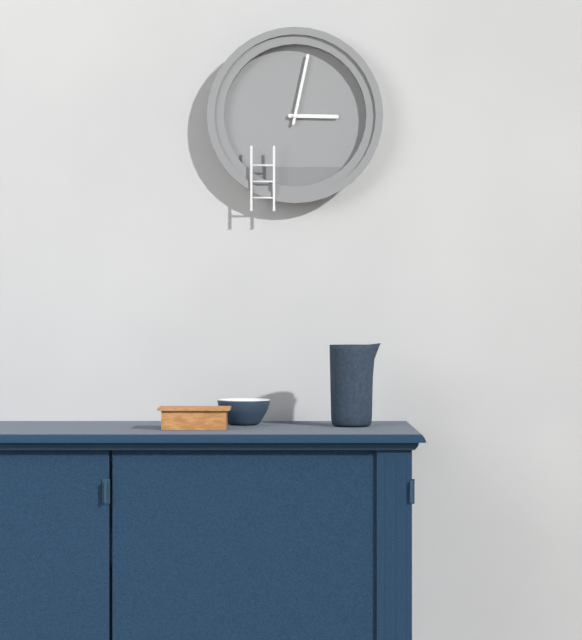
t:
3,02
